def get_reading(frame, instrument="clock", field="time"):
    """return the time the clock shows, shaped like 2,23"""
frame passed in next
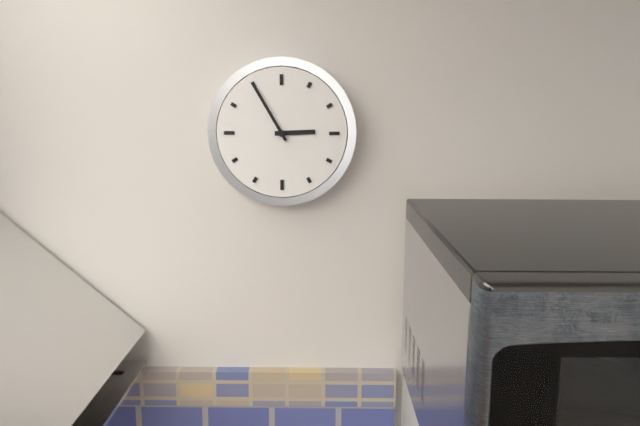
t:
2,55
